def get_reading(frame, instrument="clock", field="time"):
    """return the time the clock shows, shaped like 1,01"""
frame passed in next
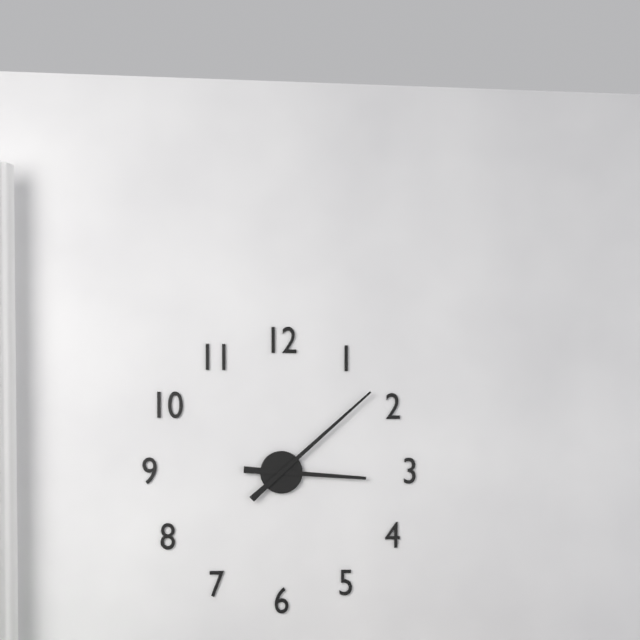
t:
3,08
